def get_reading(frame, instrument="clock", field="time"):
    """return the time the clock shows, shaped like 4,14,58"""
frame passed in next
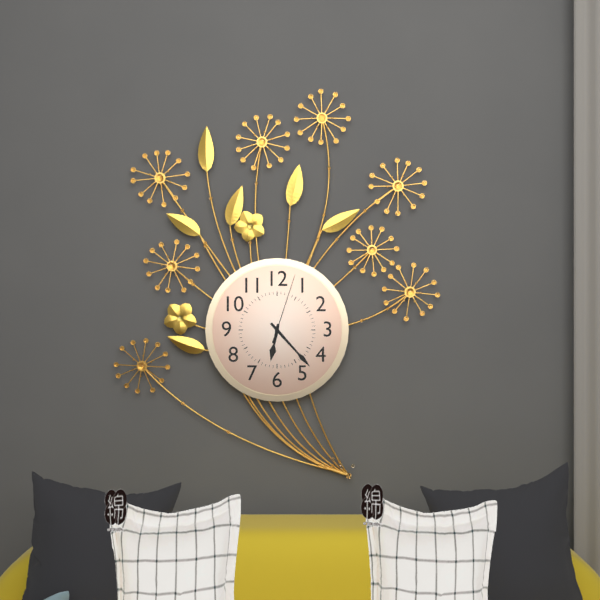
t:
6,23,03
